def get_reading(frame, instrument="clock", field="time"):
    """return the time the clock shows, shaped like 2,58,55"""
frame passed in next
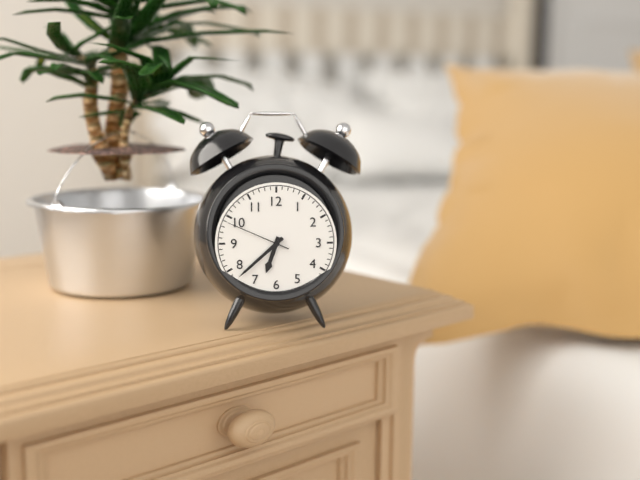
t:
6,38,49
